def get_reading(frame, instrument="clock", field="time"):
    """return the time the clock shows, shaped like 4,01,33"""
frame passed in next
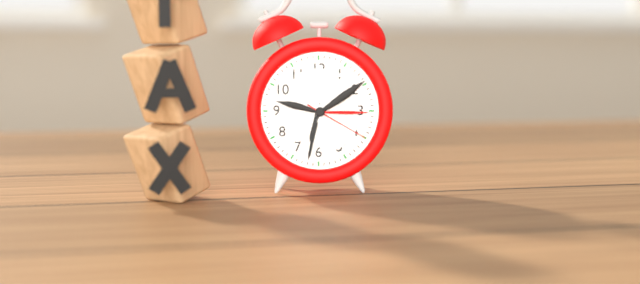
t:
6,32,20
